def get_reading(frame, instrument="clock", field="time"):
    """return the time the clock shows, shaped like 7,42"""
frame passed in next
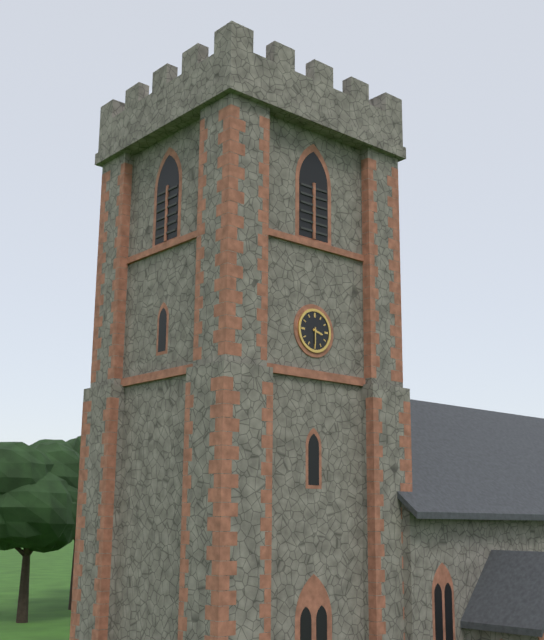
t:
3,30
